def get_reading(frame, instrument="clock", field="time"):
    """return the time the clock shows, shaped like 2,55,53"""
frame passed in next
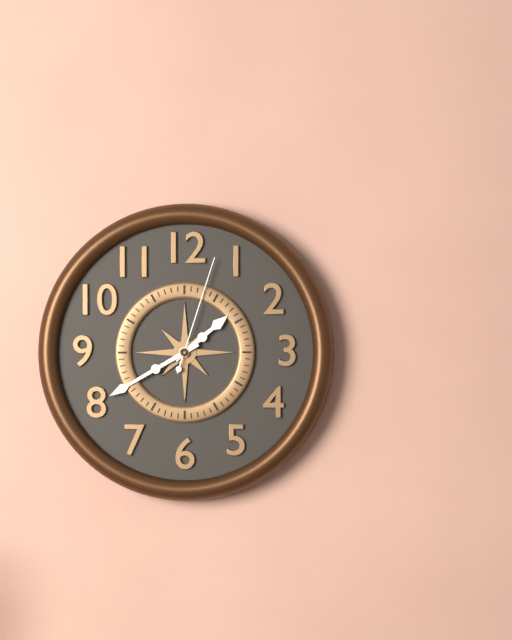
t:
1,40,03
